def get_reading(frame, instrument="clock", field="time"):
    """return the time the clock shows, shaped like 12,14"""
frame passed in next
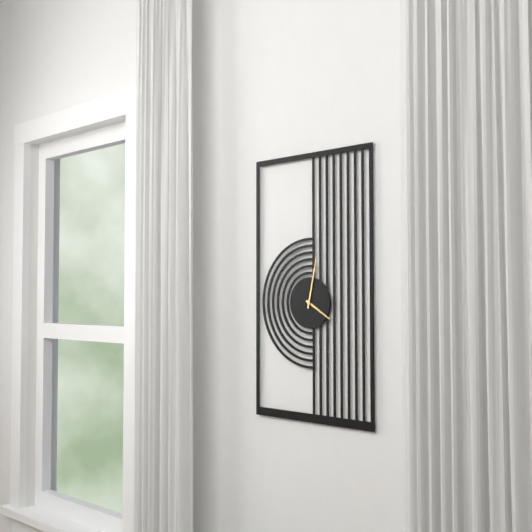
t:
4,02
